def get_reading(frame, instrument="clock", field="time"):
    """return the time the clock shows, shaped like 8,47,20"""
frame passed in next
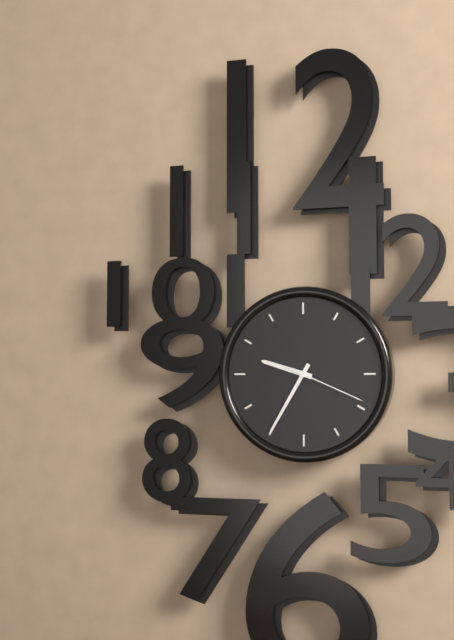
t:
9,35,19
